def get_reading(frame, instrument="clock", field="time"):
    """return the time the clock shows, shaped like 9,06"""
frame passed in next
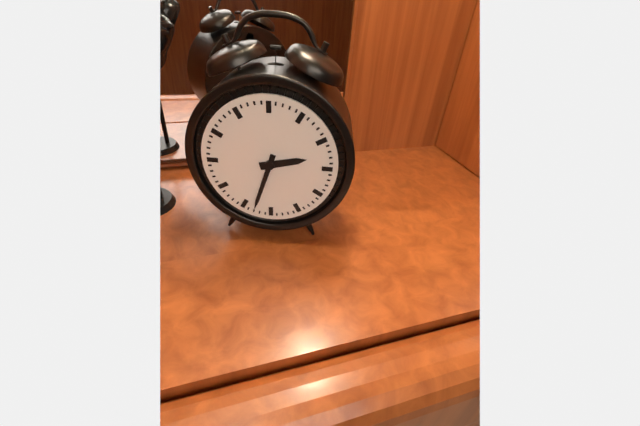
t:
2,33
